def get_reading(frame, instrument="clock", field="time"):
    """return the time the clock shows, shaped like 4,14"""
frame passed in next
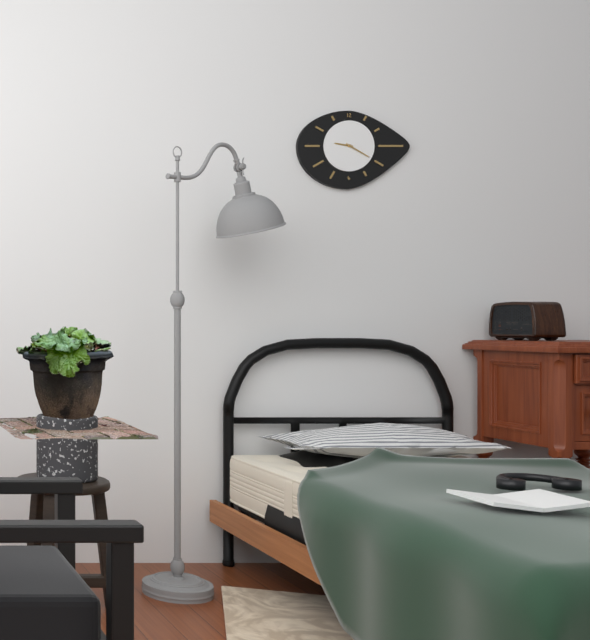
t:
9,20
